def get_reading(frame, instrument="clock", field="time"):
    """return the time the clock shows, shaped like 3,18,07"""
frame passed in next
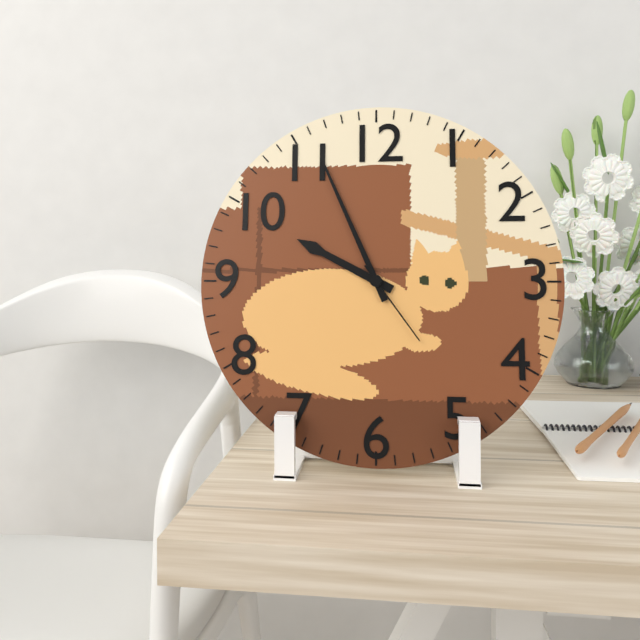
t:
9,56,24
